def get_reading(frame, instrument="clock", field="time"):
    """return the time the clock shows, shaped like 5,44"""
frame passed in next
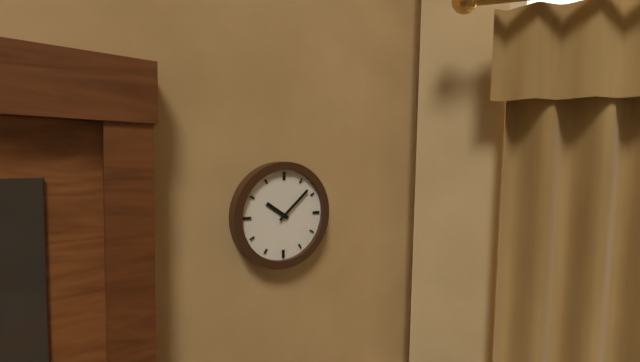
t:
10,08
